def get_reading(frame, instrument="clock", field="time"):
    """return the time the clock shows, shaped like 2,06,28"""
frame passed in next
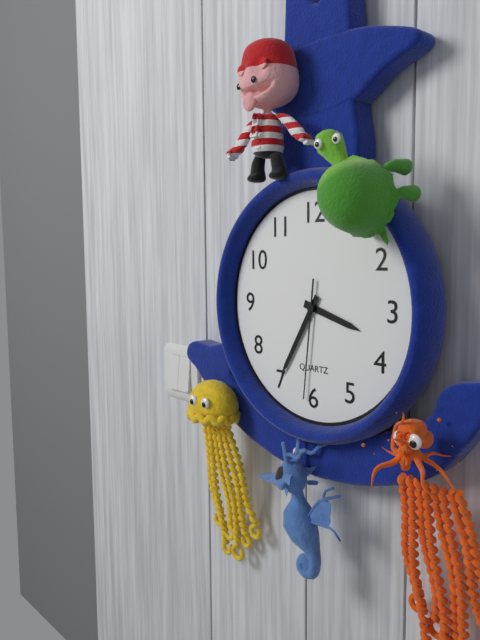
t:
3,35,31
